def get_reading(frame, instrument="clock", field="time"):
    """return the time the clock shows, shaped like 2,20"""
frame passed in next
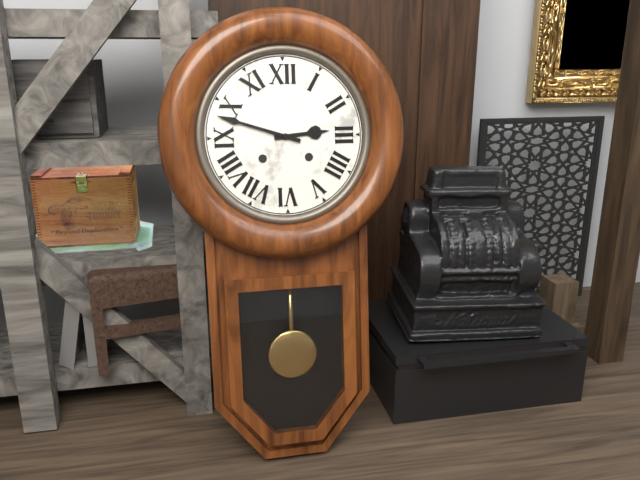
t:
2,48
